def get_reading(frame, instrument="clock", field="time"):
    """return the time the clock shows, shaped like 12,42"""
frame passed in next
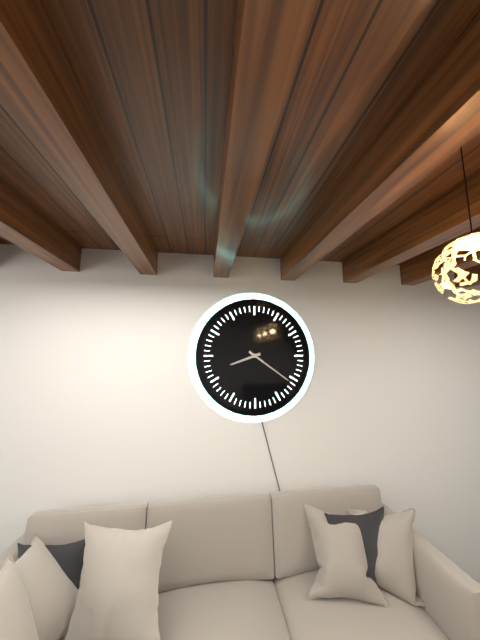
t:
8,21
